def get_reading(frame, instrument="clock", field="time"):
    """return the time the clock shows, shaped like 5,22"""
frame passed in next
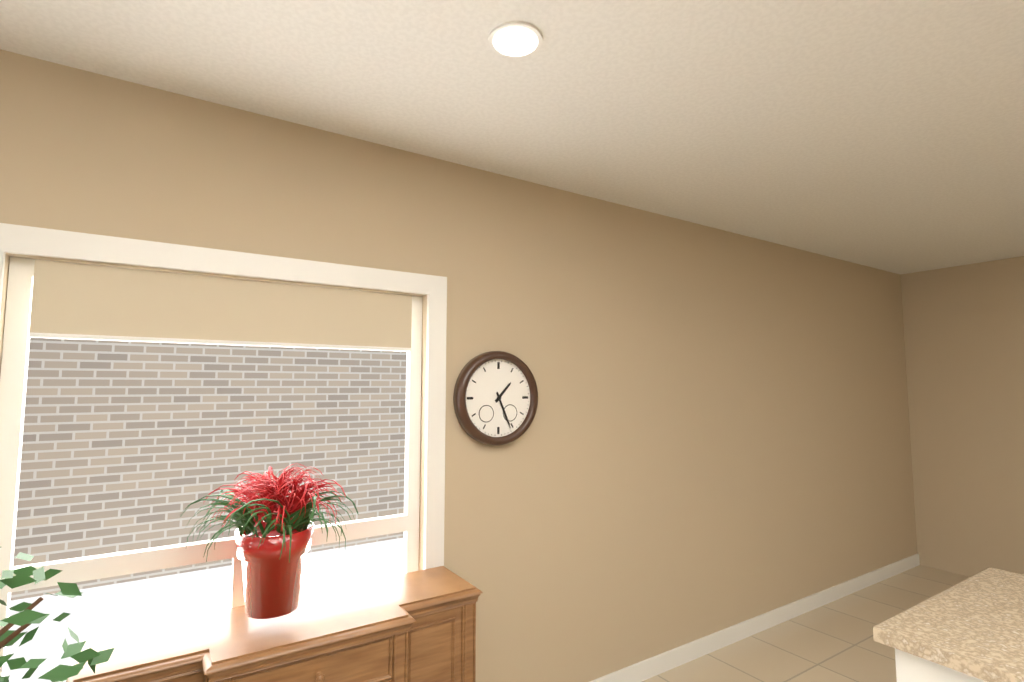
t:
1,26
